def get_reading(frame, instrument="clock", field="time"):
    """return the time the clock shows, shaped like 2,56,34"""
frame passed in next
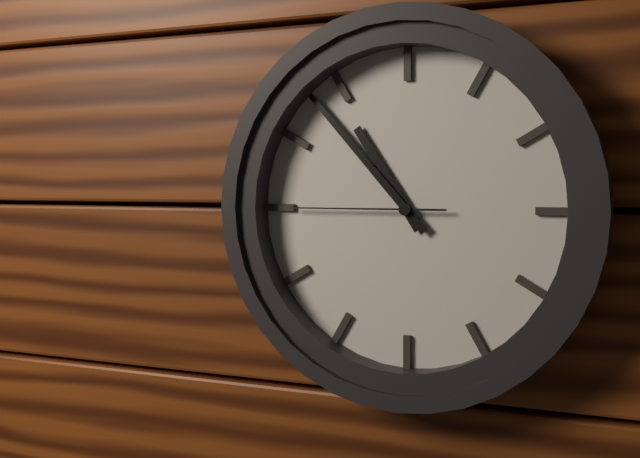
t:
10,53,45
